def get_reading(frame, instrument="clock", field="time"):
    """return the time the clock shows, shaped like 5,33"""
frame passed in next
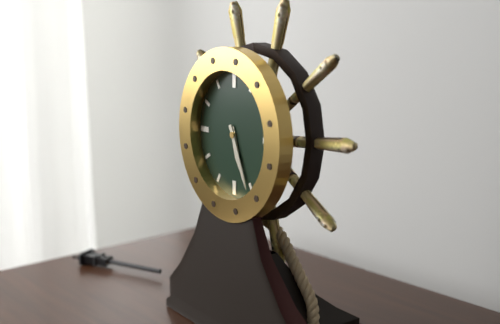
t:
5,26
